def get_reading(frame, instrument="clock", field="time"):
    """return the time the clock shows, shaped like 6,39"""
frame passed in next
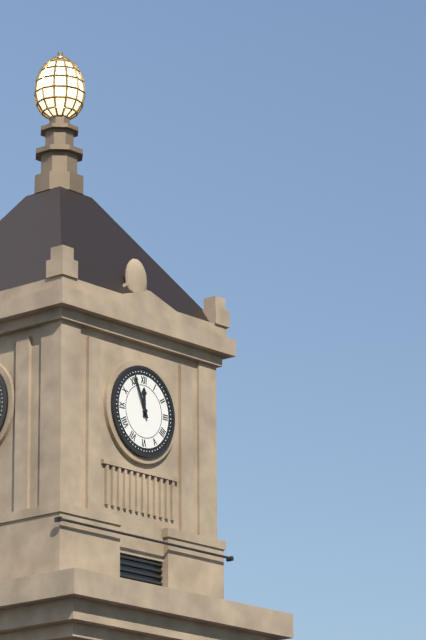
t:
11,56
